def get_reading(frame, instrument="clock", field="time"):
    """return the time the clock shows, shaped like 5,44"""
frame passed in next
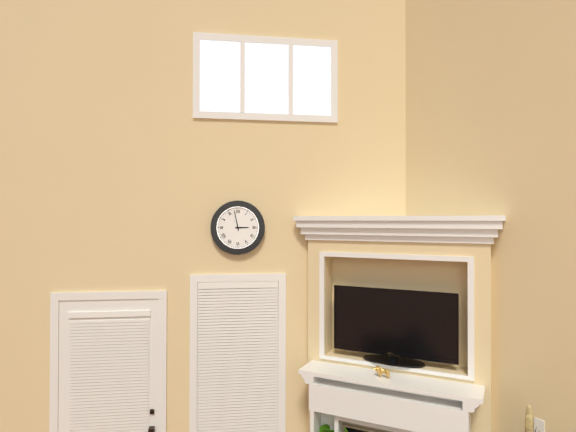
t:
2,58
